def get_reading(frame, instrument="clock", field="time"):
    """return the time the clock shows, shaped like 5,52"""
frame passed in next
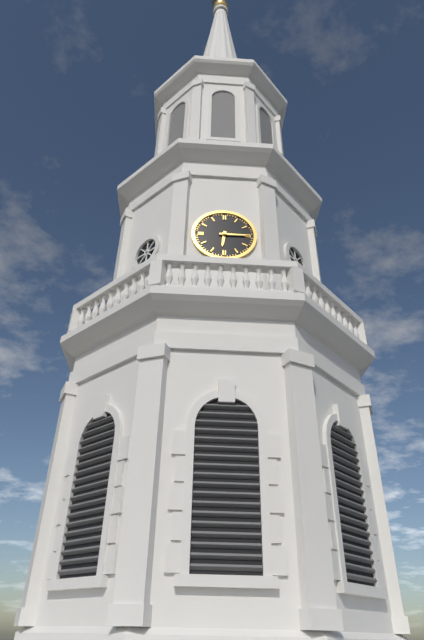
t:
6,15
